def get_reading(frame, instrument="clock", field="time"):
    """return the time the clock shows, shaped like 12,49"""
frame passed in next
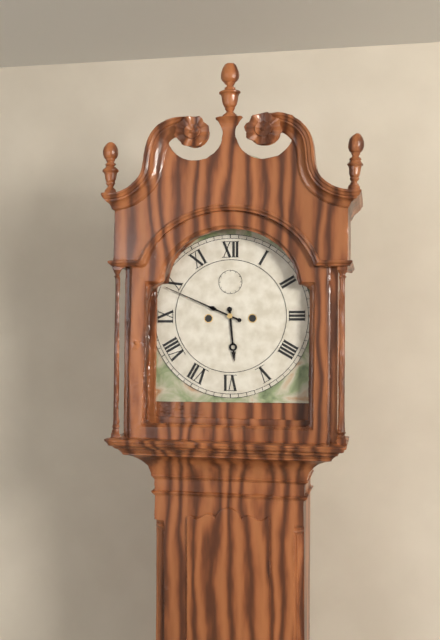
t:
5,49
